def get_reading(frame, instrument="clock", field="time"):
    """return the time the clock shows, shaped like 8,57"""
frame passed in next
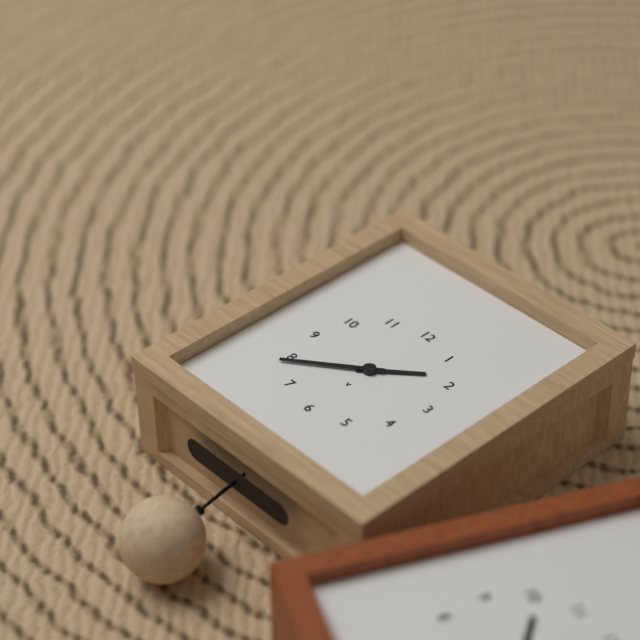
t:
1,39
